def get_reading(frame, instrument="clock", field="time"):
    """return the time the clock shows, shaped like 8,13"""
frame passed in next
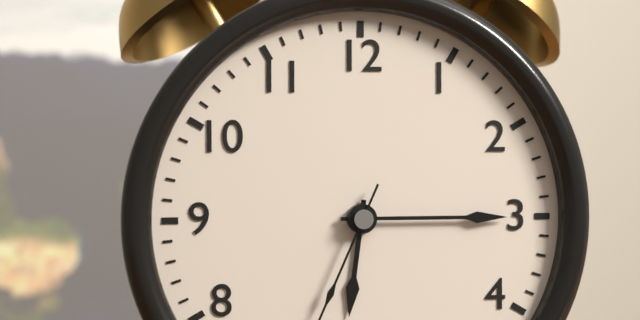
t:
6,15
